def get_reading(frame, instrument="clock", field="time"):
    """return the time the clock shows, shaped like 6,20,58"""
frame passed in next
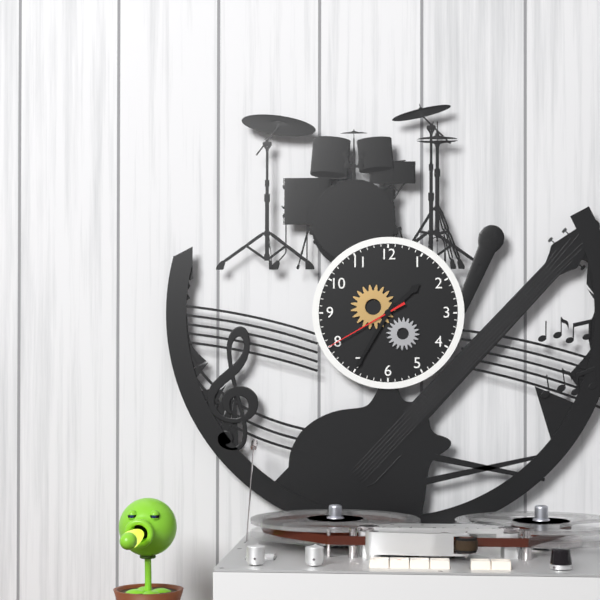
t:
1,35,40
